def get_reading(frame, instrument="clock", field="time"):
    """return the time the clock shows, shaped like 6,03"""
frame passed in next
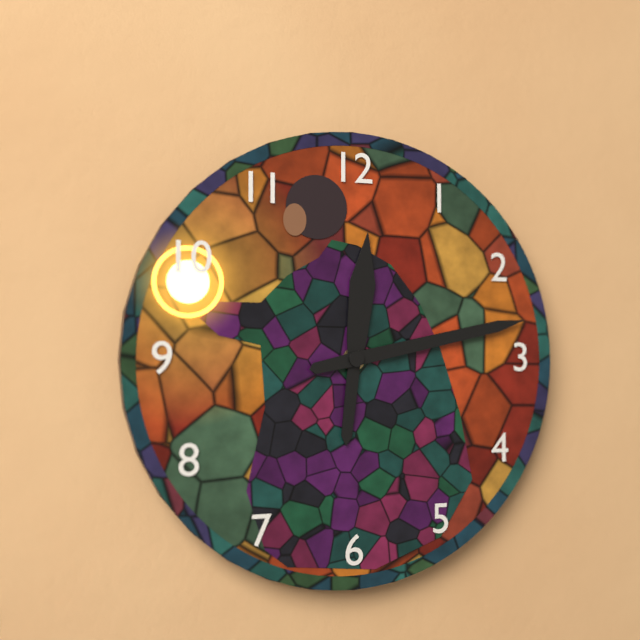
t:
12,13
